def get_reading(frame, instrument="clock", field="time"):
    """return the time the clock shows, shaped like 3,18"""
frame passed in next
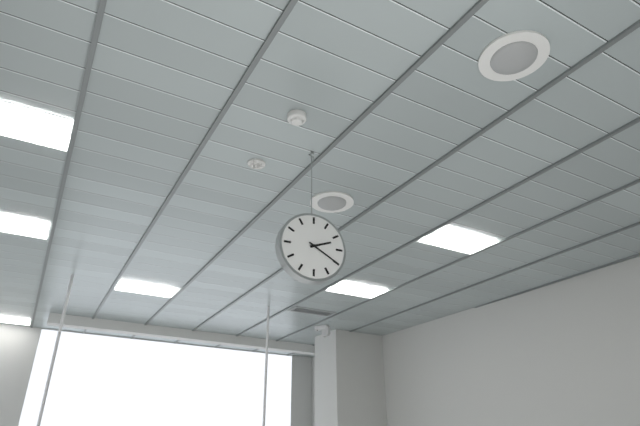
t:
2,20
